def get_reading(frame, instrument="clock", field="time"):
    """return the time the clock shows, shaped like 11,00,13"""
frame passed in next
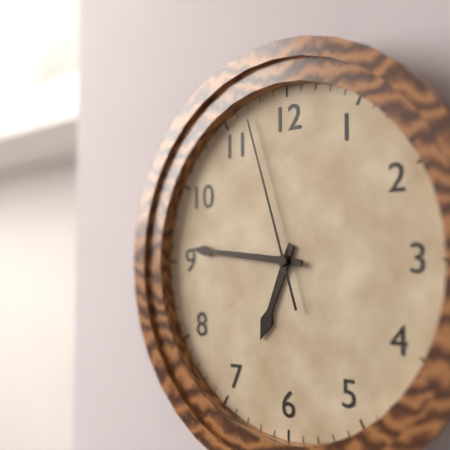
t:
6,46,57
